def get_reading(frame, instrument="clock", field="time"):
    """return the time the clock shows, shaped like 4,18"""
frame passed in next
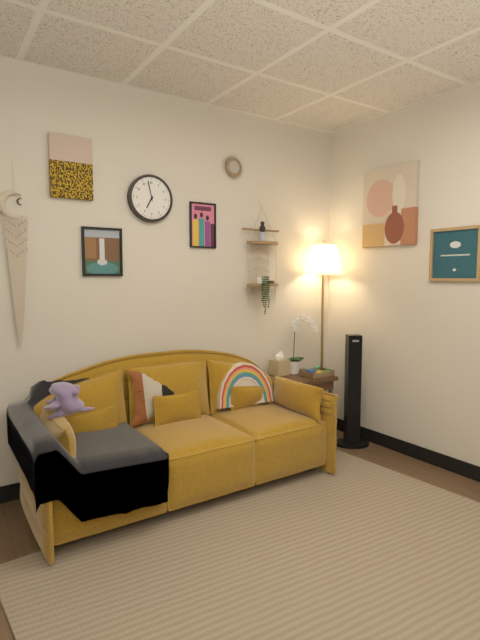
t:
6,58
